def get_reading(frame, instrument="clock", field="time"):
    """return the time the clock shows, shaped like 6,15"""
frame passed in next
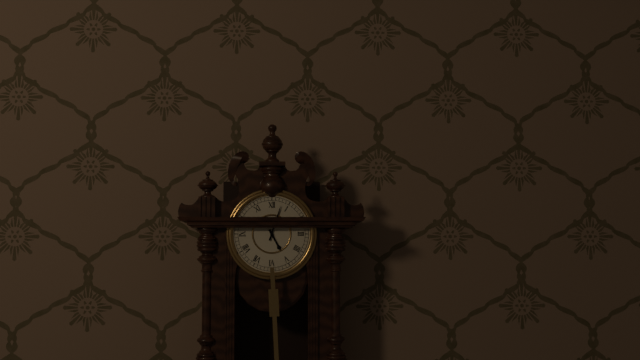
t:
5,03
